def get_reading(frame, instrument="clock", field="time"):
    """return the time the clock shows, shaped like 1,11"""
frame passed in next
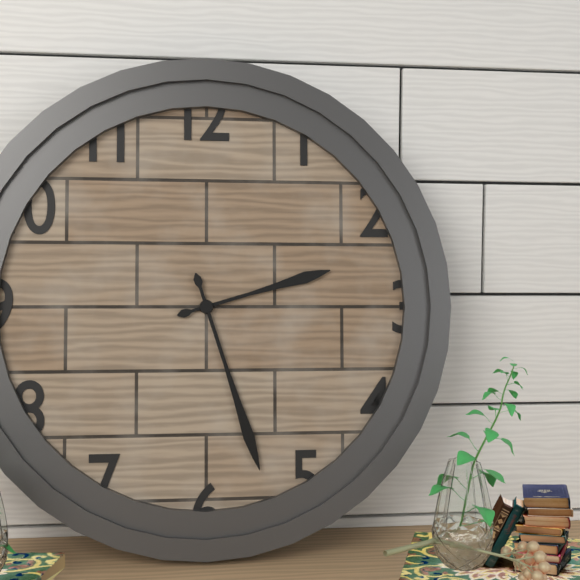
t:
2,27
